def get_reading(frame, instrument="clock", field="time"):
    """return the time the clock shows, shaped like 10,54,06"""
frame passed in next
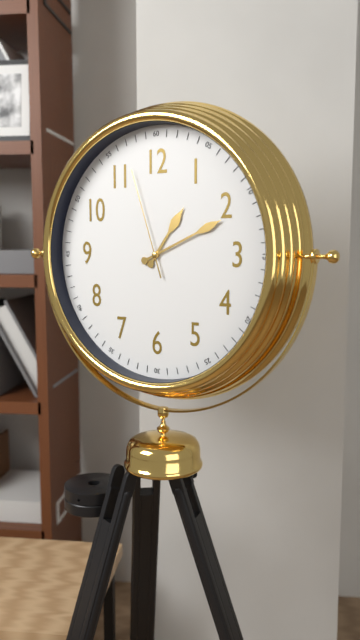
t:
1,11,57
